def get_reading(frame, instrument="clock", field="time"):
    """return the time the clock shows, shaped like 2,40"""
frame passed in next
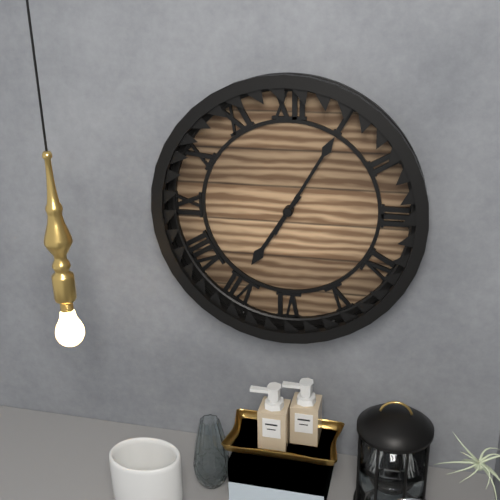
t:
7,05
